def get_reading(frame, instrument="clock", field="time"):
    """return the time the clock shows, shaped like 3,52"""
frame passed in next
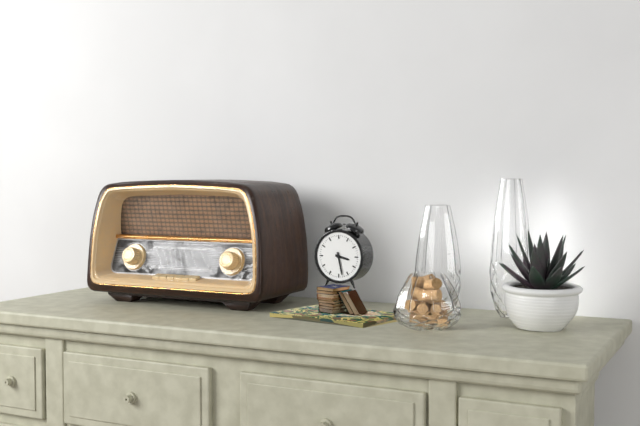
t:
3,28
